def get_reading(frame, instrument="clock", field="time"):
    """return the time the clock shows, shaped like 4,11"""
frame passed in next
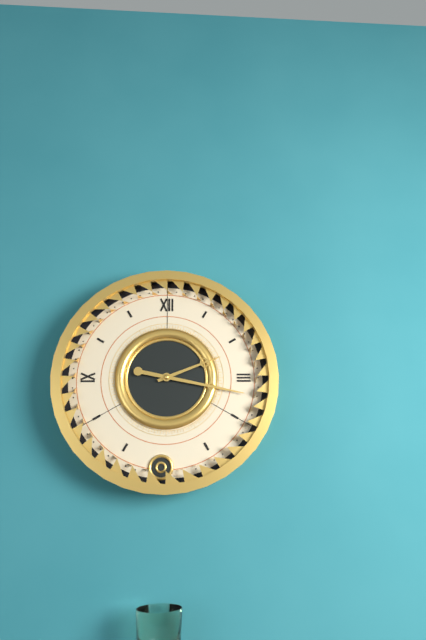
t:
2,17
